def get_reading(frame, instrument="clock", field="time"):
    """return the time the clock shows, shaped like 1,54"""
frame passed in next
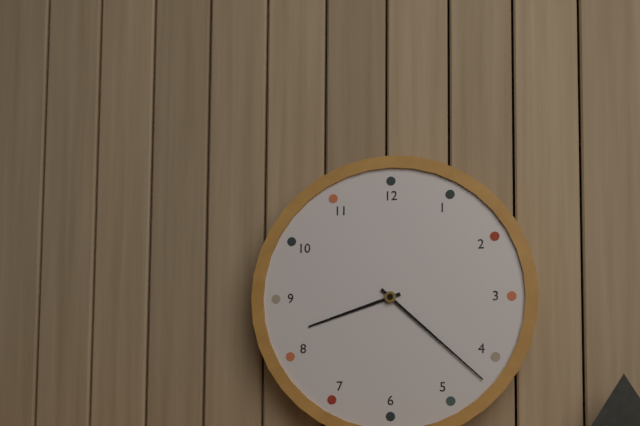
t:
8,22
